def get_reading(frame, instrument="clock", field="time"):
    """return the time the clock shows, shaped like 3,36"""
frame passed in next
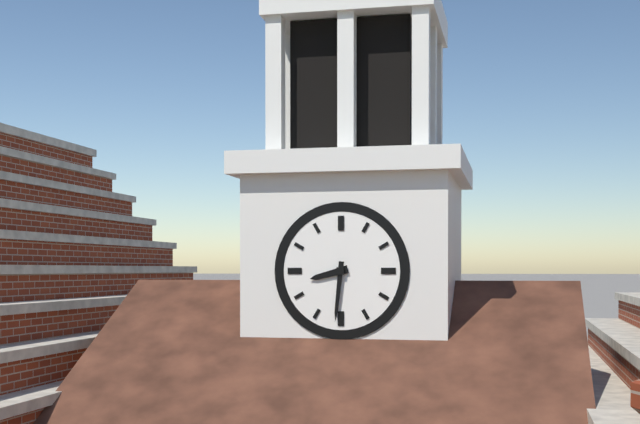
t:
8,31
